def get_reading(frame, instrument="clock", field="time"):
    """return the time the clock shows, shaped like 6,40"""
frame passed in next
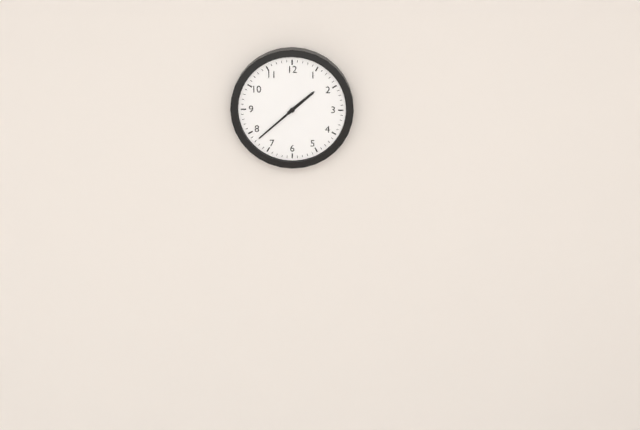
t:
1,38
